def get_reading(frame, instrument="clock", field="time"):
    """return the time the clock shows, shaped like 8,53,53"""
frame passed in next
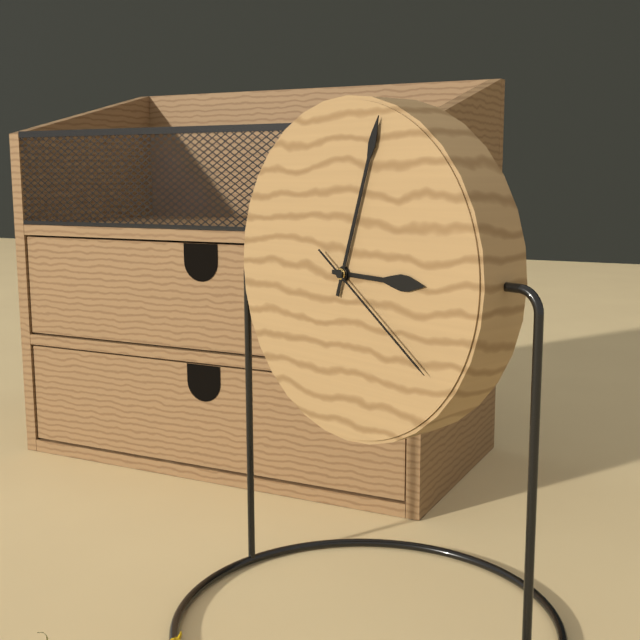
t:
3,03,21
